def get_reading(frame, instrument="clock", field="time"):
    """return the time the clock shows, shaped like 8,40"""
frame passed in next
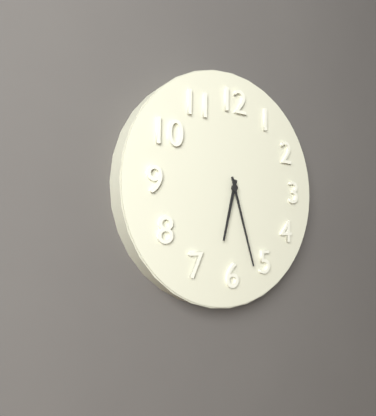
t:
6,27
